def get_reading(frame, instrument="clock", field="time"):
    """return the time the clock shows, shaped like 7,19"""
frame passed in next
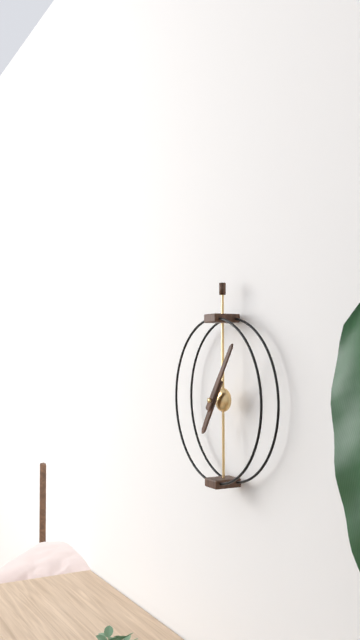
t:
7,06
